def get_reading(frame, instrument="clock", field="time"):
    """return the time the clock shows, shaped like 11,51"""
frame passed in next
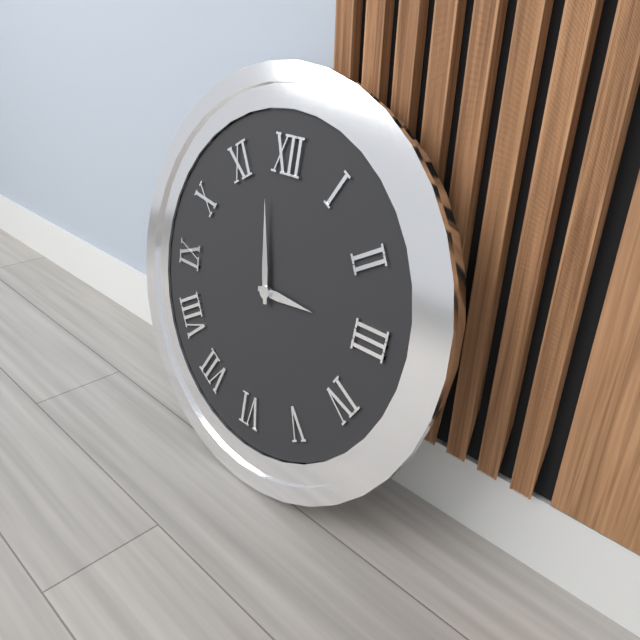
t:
2,58
